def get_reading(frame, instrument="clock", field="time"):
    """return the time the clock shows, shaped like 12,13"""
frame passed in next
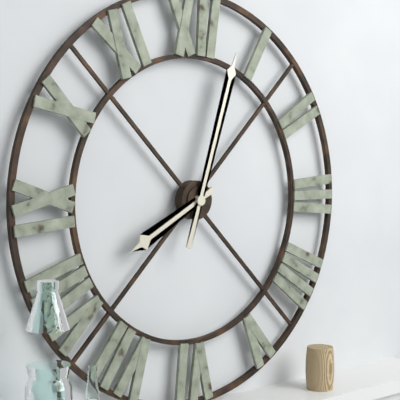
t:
8,03
